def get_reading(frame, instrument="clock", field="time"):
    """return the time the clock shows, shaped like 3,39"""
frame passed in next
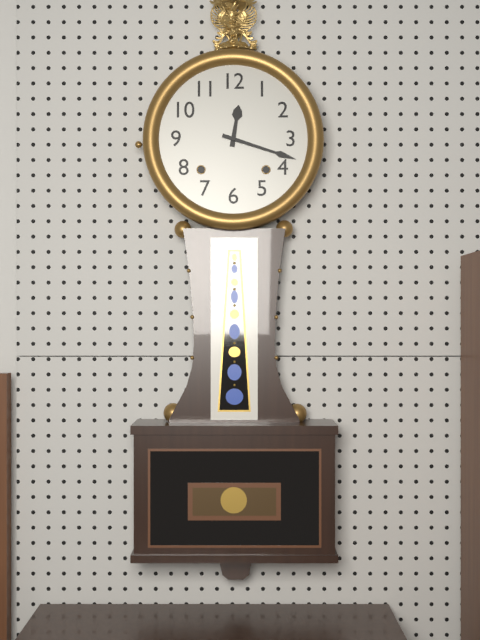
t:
12,18
